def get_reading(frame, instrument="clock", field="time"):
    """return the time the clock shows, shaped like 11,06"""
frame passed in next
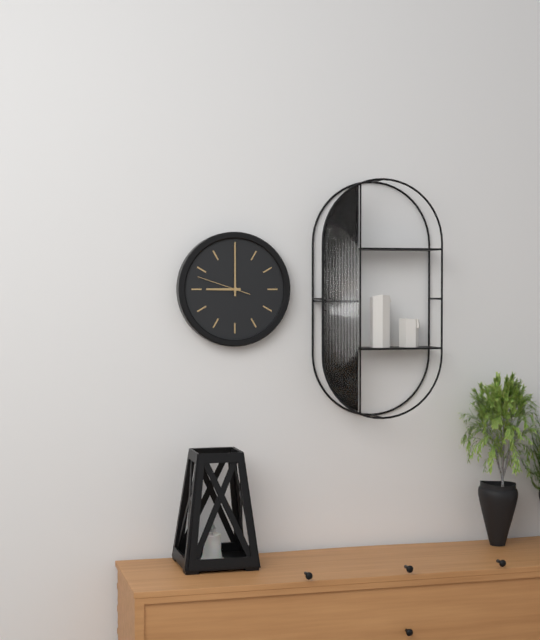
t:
9,00
